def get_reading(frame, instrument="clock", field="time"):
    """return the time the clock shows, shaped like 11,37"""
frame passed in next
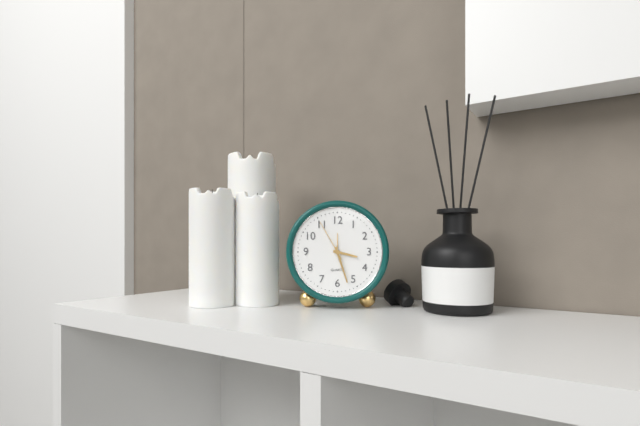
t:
3,27
